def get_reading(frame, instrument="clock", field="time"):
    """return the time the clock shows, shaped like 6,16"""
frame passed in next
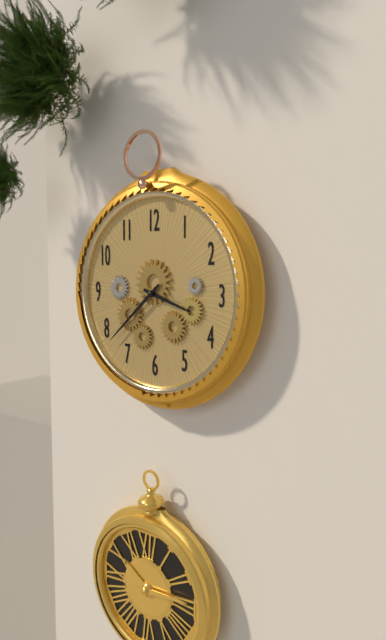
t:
3,38
